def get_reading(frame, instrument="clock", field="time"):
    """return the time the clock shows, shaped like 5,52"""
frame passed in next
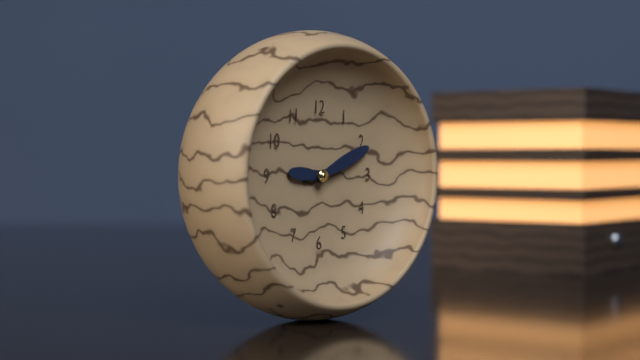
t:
9,11
